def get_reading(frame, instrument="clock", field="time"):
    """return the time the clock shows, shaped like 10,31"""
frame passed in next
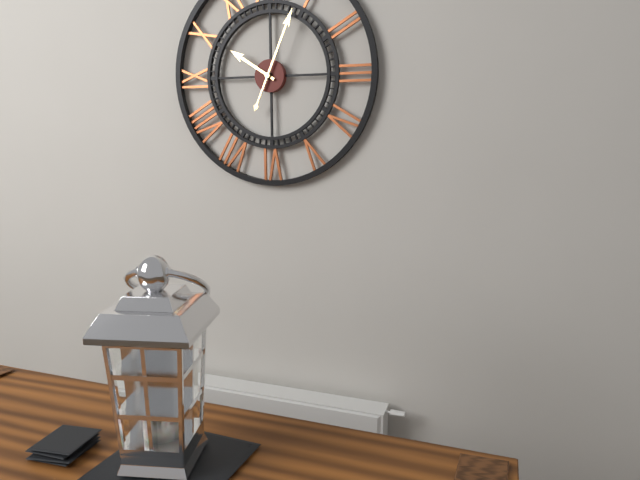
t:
10,04
